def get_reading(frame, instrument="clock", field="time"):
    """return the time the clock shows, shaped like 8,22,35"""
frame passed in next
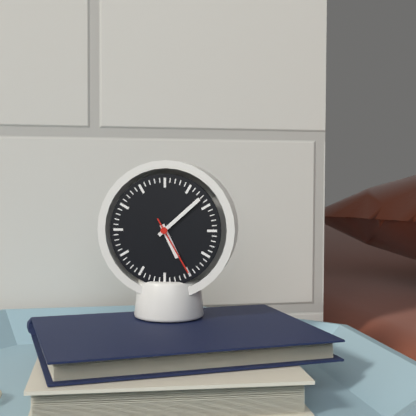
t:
5,08,25
